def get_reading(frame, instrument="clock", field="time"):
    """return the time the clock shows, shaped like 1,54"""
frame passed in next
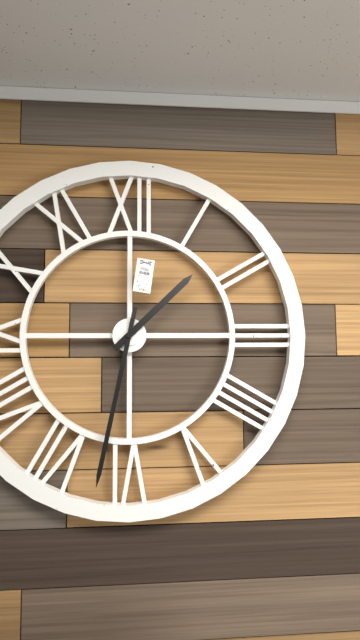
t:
1,32
